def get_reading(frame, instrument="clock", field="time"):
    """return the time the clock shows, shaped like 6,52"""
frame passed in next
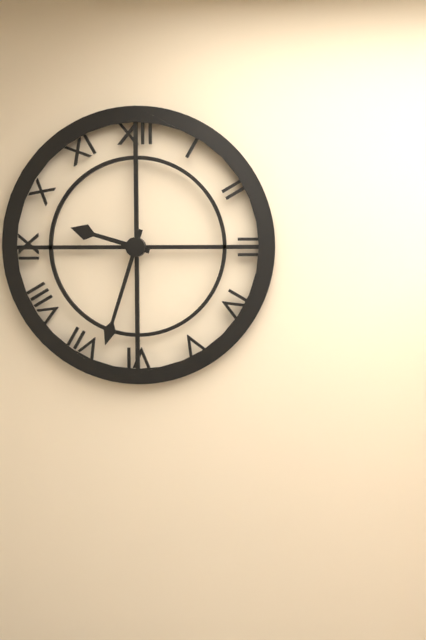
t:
9,33
